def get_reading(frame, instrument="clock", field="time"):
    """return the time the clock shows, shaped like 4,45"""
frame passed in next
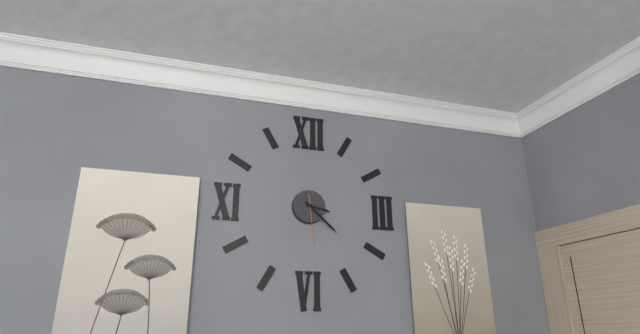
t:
3,22
